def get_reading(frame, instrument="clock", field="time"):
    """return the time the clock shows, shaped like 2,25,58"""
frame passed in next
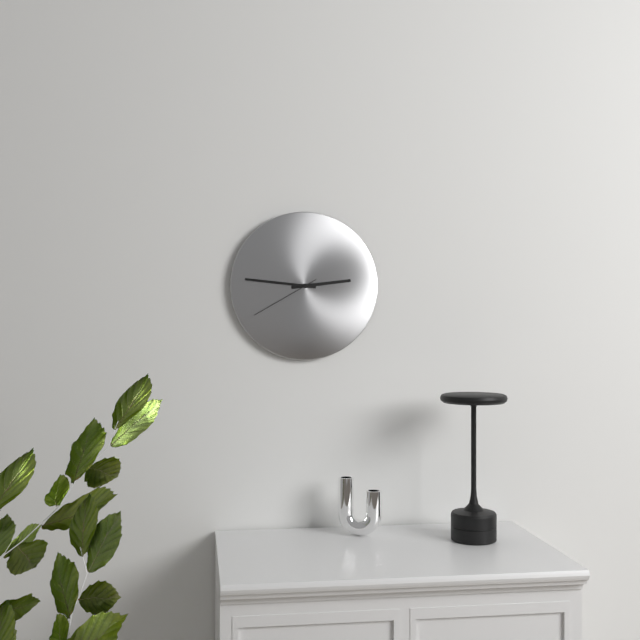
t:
2,46,40
